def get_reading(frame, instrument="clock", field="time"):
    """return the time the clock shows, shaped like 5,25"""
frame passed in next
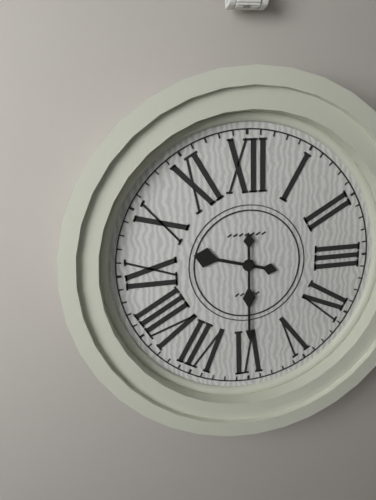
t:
9,30
